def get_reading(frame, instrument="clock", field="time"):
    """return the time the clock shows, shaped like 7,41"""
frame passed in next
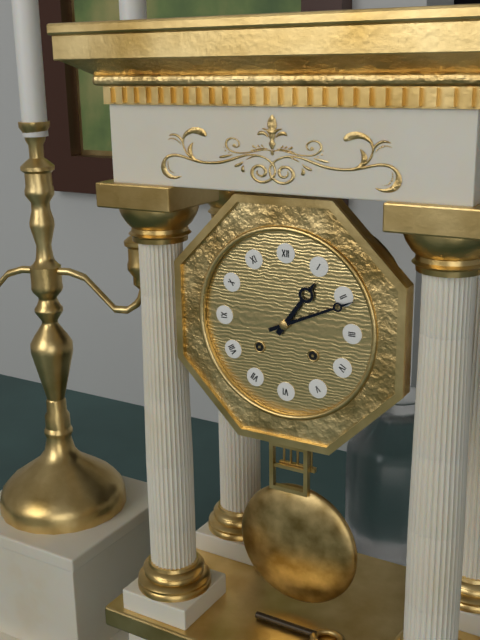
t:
1,11
